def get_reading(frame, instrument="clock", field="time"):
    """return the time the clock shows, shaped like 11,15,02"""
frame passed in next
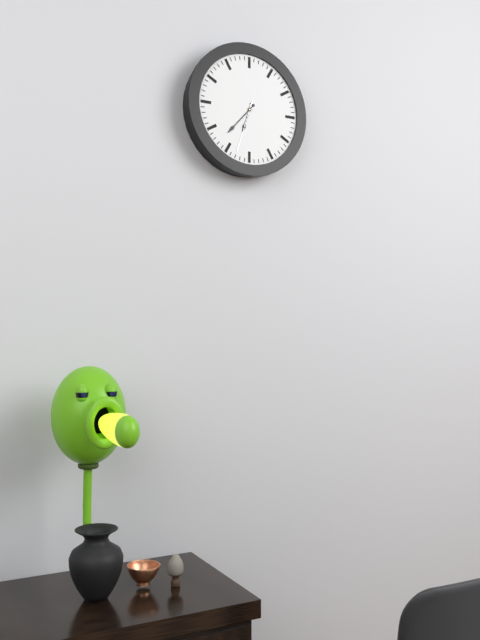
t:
6,37,33
